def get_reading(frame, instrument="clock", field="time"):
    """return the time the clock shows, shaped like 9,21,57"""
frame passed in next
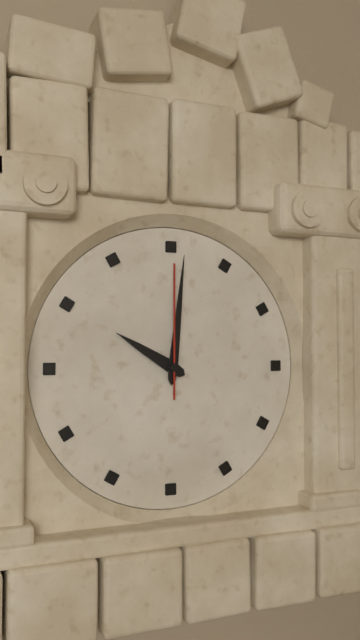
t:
10,01,00
